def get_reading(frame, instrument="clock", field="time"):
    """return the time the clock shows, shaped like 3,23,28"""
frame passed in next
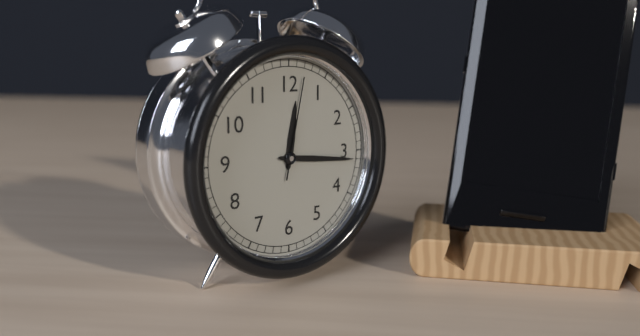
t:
12,16,02
